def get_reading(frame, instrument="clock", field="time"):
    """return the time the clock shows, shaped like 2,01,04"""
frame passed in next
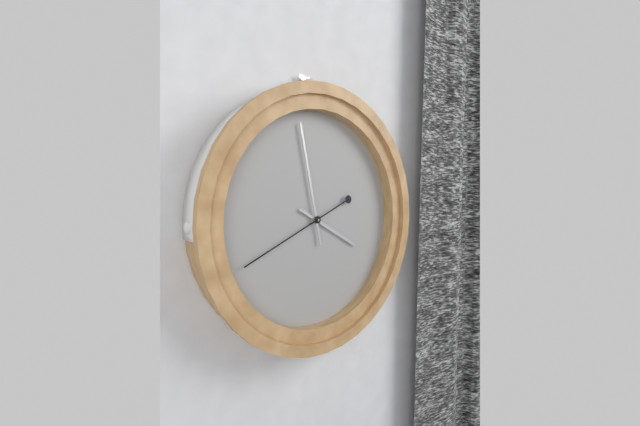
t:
3,58,41
